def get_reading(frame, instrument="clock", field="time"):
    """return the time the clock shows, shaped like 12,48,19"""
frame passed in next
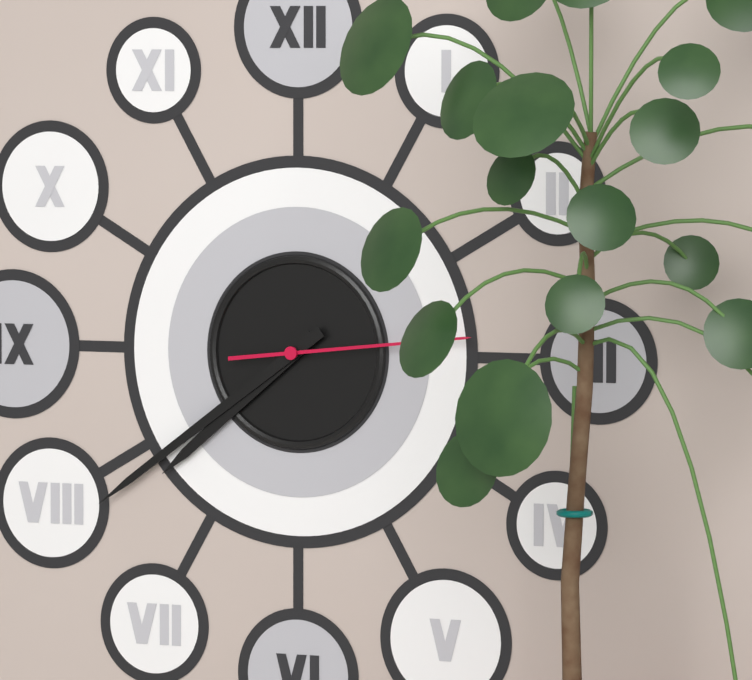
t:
7,39,14
